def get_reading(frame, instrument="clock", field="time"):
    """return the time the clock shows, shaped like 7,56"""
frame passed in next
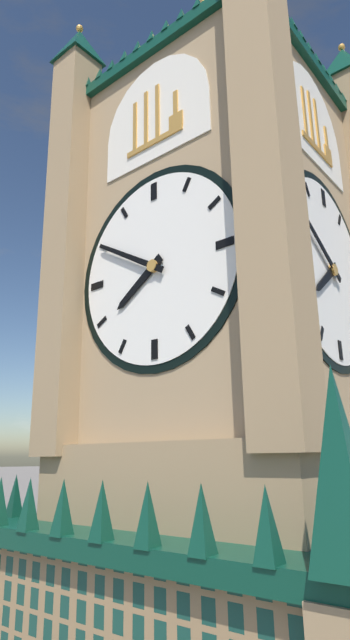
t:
7,50
